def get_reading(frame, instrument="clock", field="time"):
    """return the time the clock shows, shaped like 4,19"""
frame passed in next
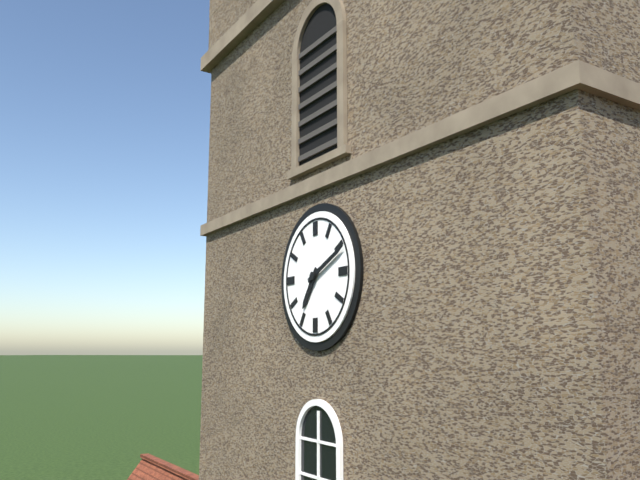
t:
7,11
